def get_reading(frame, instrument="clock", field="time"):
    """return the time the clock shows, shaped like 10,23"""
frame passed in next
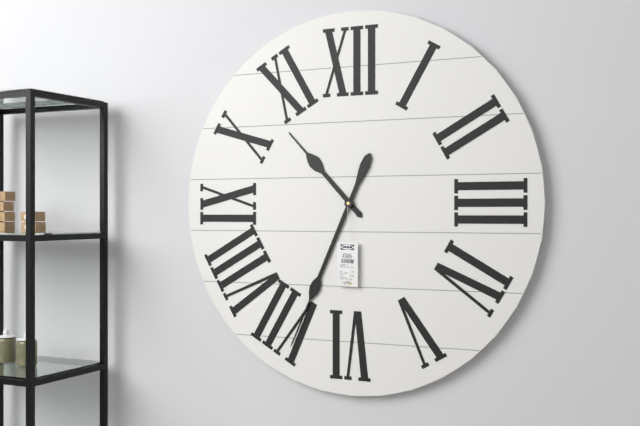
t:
10,34
